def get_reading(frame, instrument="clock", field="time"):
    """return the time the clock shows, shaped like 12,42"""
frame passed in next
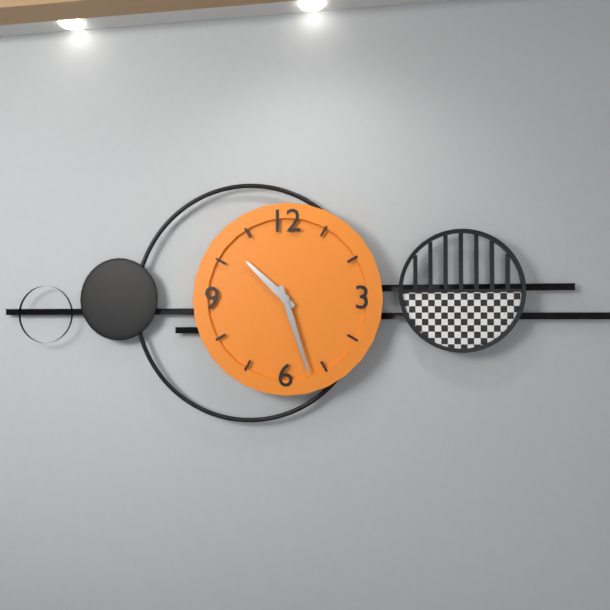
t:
10,27
